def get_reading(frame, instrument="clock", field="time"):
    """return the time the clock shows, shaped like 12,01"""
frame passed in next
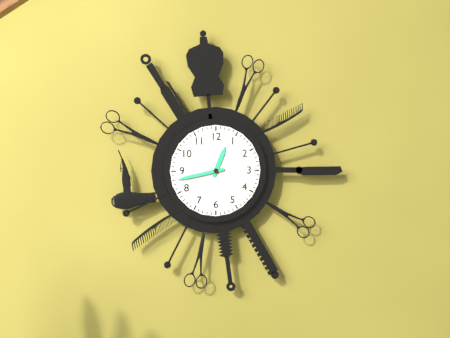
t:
12,43
